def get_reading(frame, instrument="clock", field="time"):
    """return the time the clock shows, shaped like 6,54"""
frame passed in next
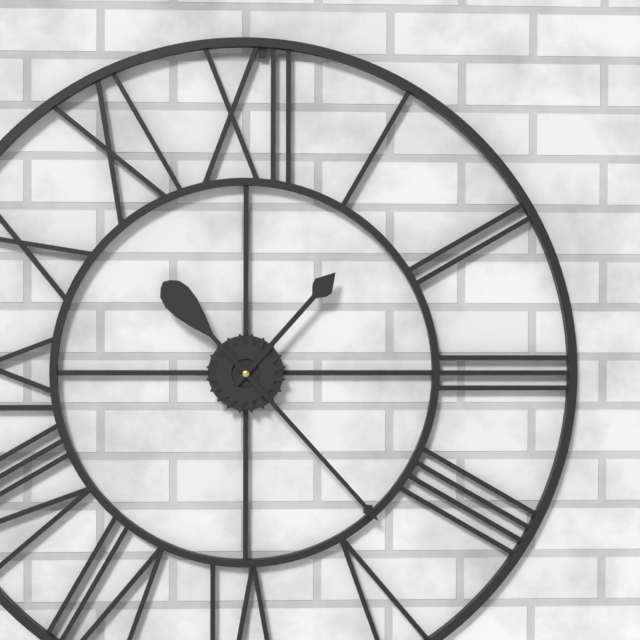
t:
1,23
